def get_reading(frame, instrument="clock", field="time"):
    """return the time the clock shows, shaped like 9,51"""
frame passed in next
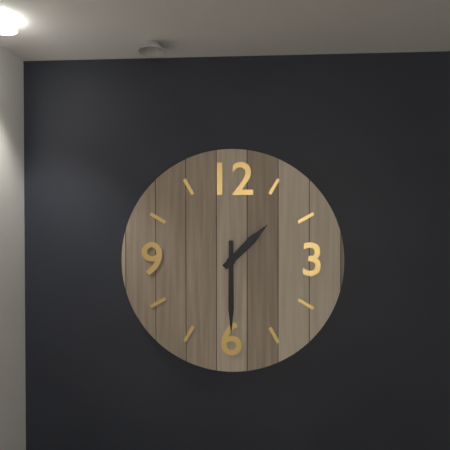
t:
1,30
